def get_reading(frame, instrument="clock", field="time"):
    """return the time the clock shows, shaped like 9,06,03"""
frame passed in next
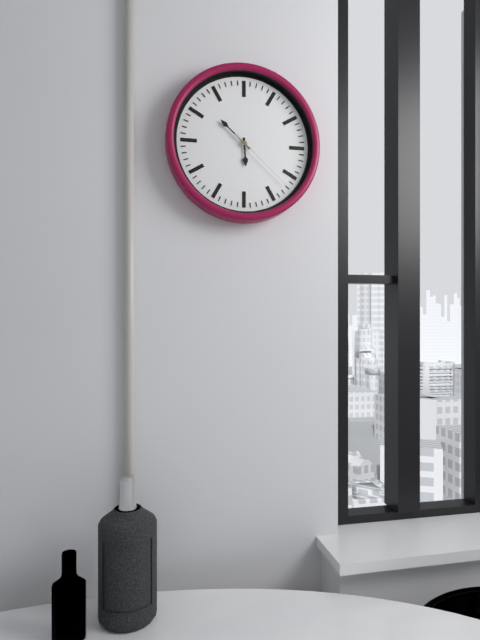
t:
5,52,22
